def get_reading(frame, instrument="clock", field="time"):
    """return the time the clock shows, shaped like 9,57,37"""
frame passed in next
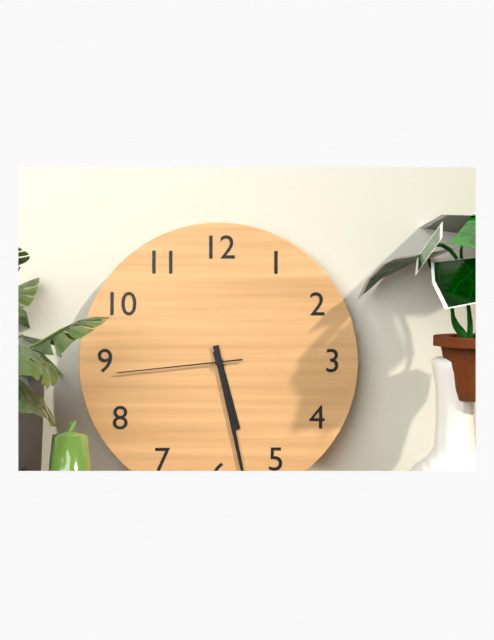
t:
5,28,44
